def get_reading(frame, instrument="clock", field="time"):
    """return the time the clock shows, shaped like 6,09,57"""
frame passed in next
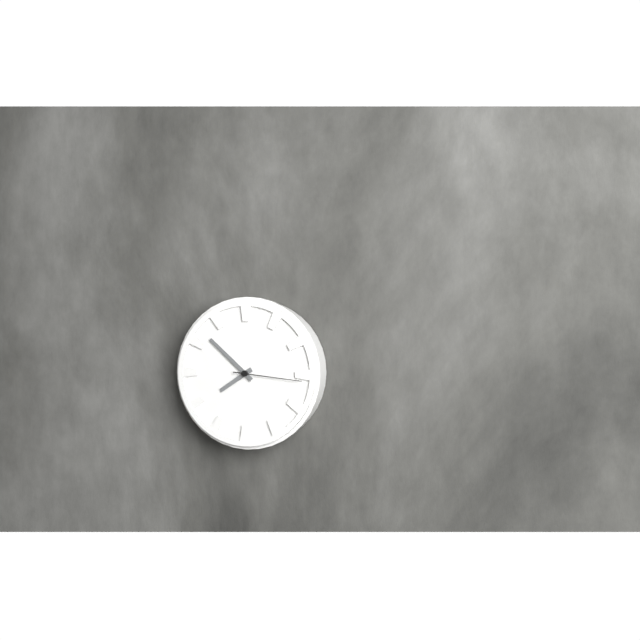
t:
7,52,16
